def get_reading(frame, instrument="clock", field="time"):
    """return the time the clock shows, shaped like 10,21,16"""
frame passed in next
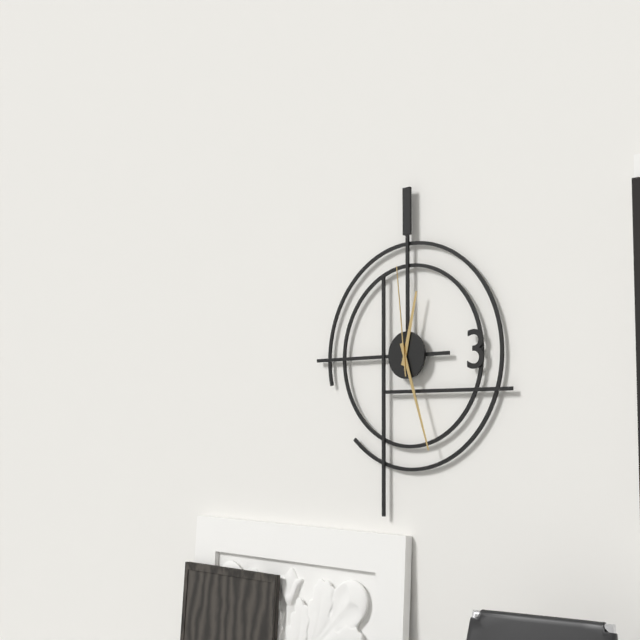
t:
12,27,59
